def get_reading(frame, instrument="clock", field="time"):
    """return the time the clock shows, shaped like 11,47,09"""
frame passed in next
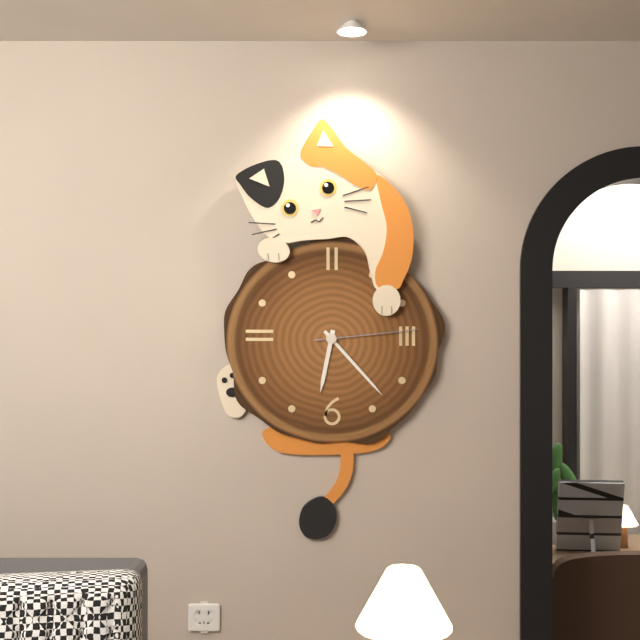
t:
6,23,14
